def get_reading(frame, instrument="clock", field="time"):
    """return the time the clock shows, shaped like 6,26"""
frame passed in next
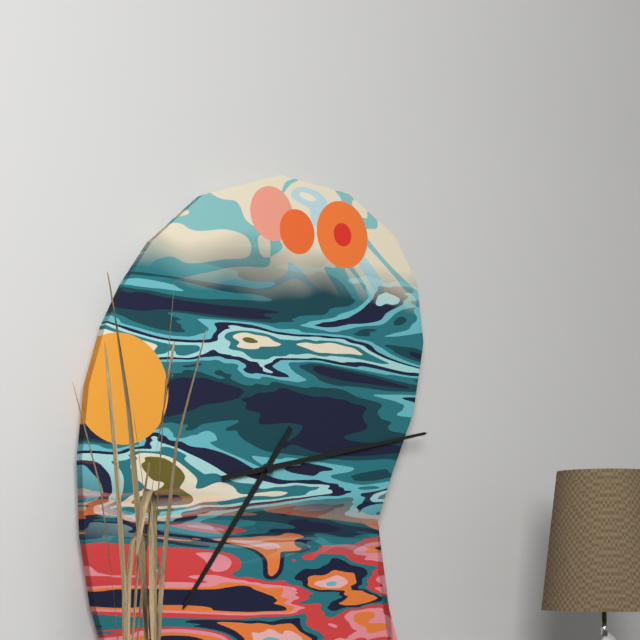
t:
7,13
